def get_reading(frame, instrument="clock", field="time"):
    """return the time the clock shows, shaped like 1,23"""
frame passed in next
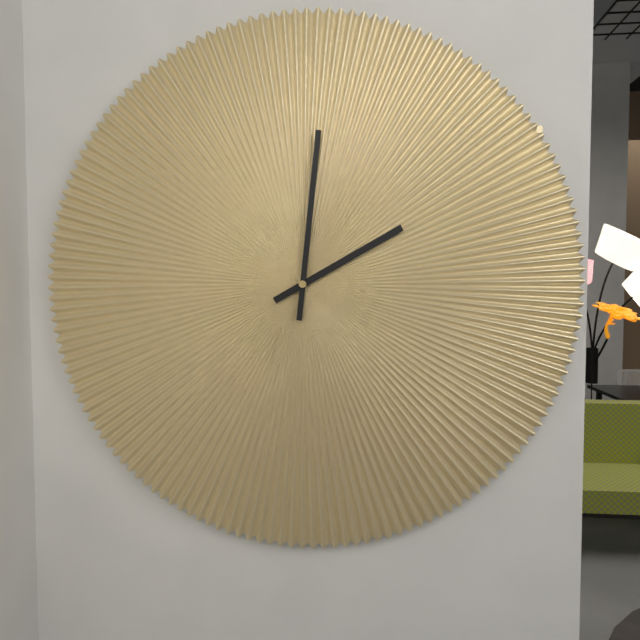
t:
2,01
